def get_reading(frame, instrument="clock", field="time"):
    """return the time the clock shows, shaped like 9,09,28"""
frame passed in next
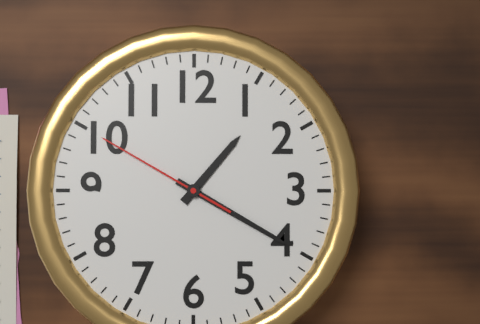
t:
1,20,50
